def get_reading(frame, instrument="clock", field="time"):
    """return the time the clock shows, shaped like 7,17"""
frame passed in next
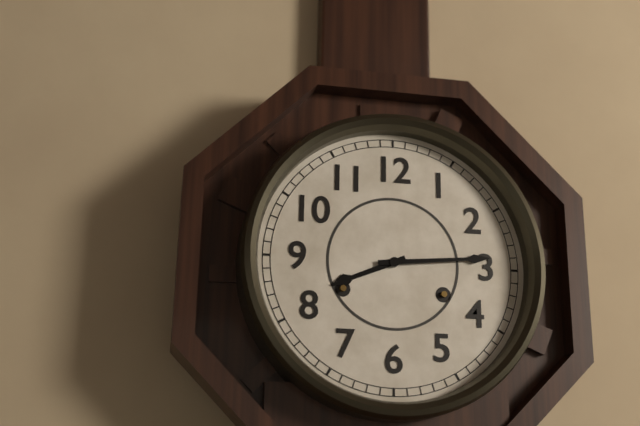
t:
8,14
